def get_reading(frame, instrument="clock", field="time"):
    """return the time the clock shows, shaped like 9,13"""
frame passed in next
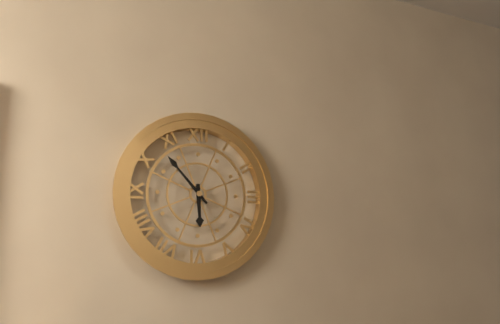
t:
5,53
